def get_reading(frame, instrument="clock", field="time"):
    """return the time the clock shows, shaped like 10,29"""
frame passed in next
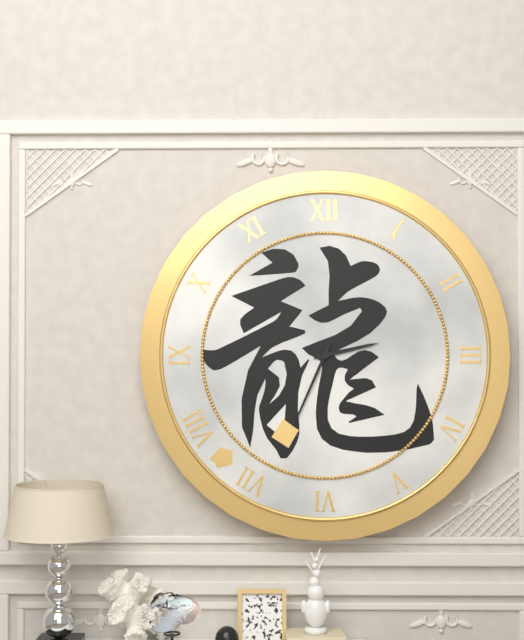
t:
2,34
